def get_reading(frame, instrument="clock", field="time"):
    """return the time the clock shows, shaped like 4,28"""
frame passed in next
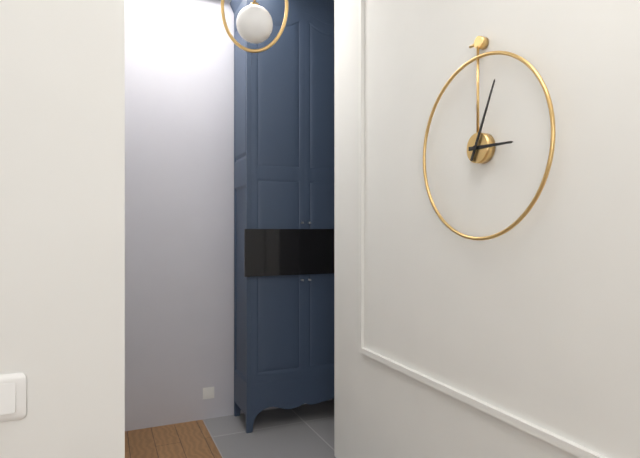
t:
3,04
